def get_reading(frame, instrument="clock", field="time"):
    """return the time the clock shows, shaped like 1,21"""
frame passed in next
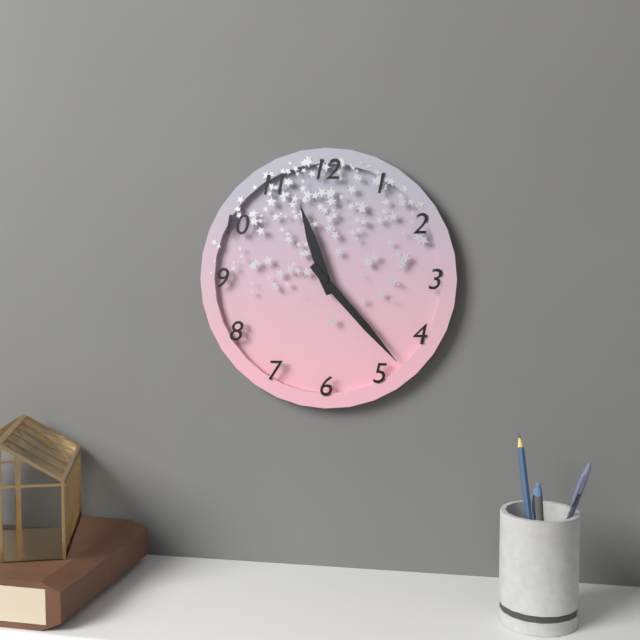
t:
11,23
